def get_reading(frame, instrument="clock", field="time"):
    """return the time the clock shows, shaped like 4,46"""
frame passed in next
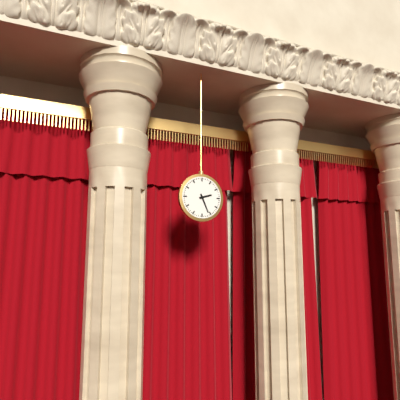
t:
2,26
